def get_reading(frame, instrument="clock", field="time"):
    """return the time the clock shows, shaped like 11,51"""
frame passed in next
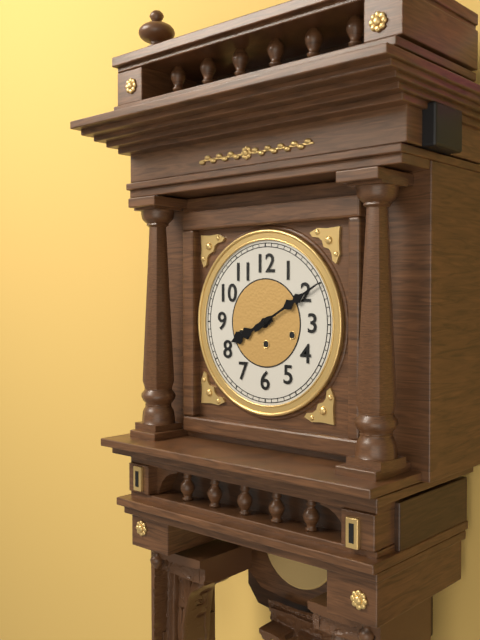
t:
8,10
